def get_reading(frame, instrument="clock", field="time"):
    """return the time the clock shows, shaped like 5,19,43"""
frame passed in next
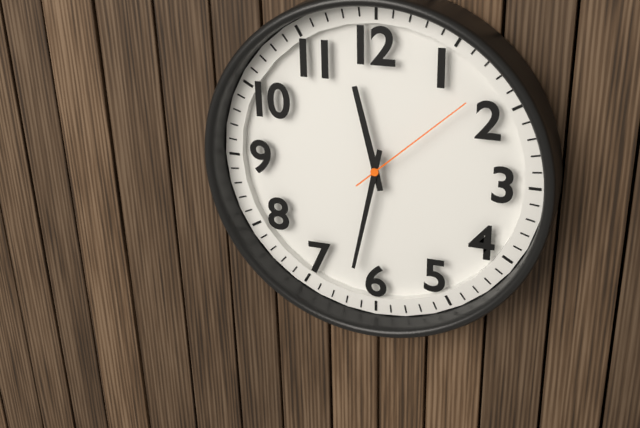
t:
11,32,08
